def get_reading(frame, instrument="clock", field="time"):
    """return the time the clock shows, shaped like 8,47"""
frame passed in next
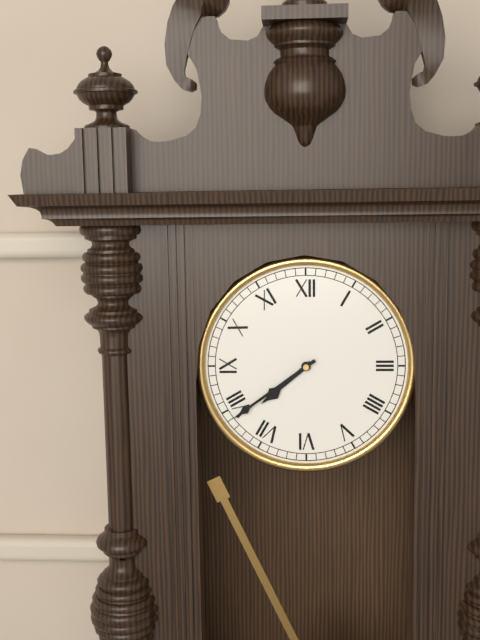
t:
7,39
